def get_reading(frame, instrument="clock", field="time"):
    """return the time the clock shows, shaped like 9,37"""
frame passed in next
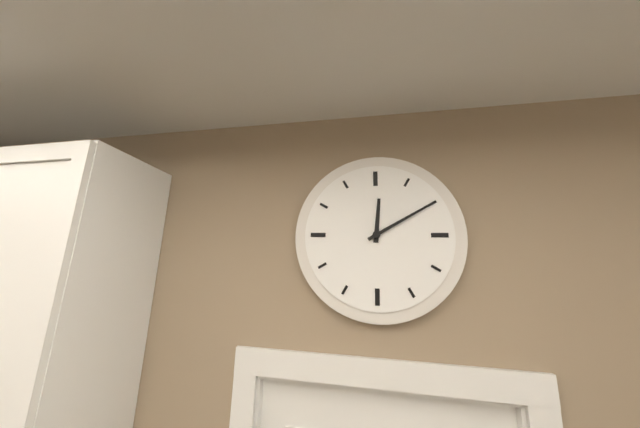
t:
12,10
